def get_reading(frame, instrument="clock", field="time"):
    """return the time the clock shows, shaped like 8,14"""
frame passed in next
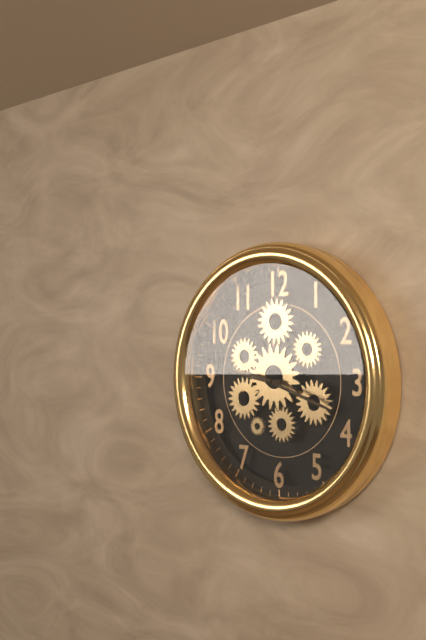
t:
9,18
